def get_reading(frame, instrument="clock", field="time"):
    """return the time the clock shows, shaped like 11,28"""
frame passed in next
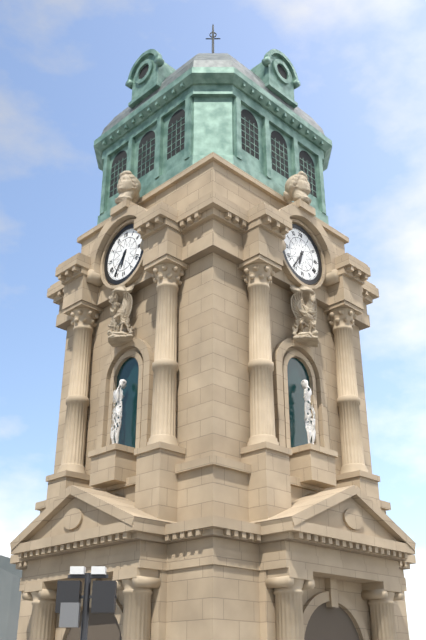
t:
6,36
